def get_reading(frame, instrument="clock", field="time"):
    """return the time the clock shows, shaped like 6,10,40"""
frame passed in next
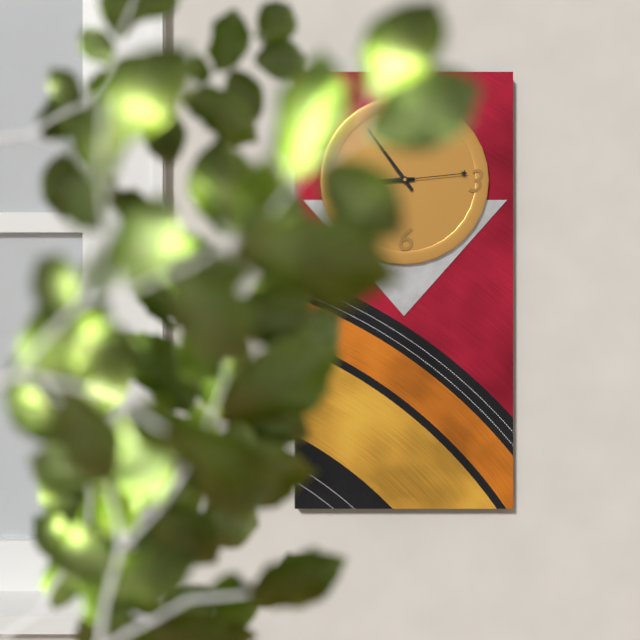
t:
8,54,14
